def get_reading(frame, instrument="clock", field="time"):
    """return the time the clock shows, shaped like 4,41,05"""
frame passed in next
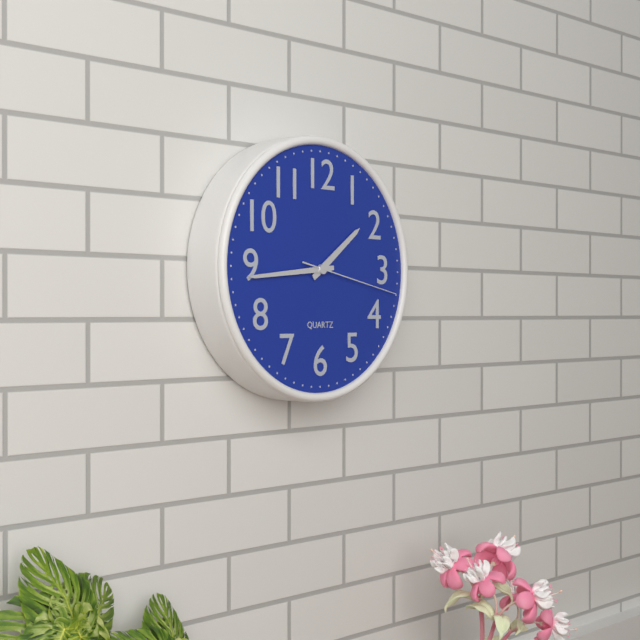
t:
1,44,17
